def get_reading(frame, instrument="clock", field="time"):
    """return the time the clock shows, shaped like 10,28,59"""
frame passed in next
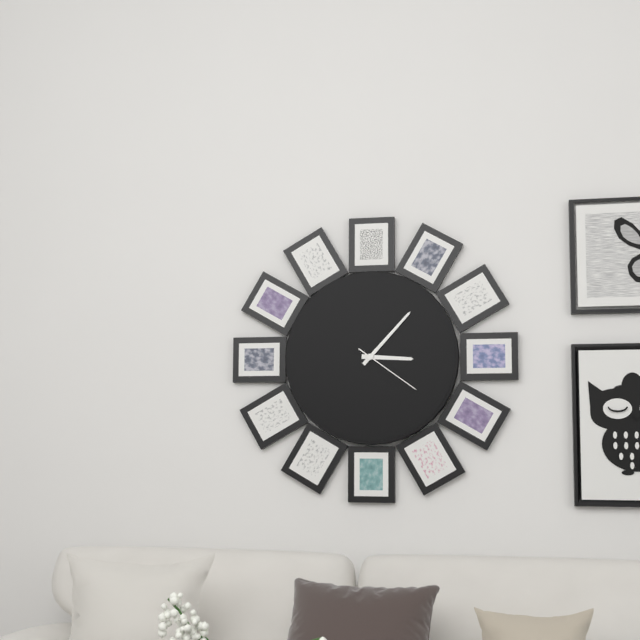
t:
3,07,21
